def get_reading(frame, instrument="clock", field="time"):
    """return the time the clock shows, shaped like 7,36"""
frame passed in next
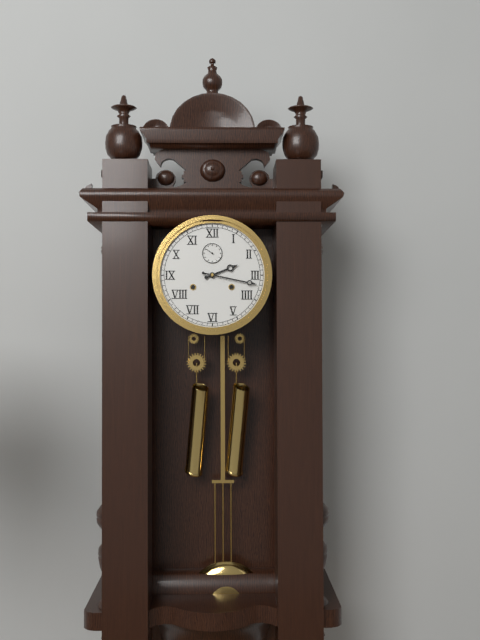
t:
2,17
